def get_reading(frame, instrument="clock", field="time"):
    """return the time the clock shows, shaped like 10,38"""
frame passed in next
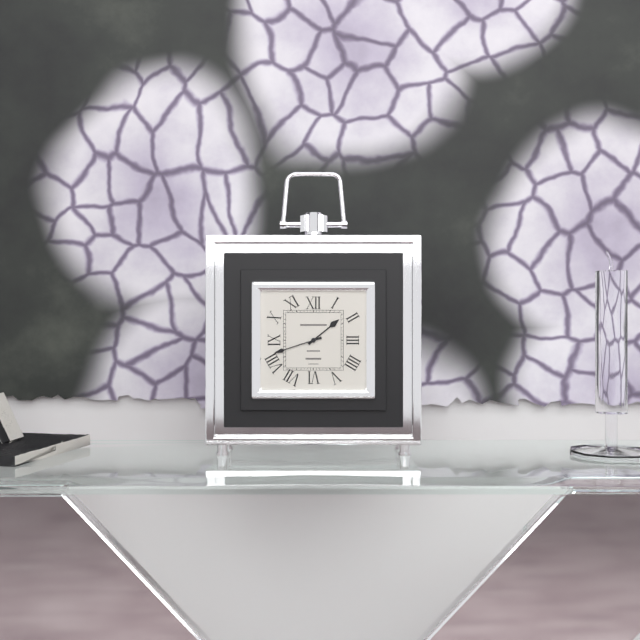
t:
1,42
